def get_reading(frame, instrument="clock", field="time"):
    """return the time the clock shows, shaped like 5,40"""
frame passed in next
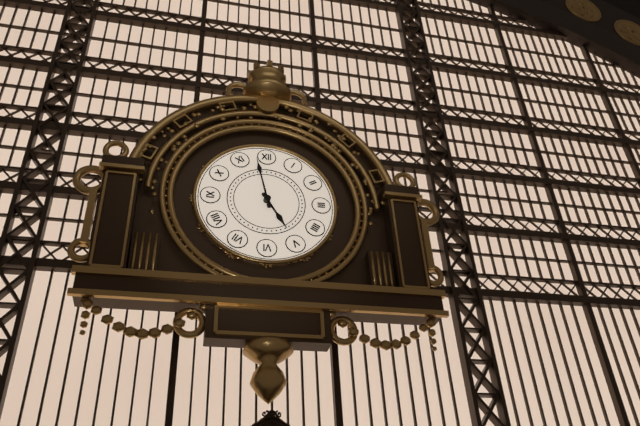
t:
4,58
